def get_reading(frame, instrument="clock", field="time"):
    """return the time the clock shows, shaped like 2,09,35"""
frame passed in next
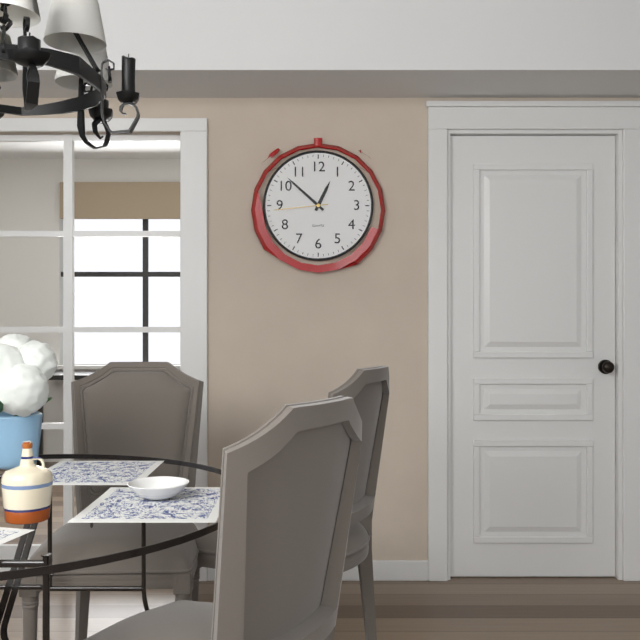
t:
12,52,44
